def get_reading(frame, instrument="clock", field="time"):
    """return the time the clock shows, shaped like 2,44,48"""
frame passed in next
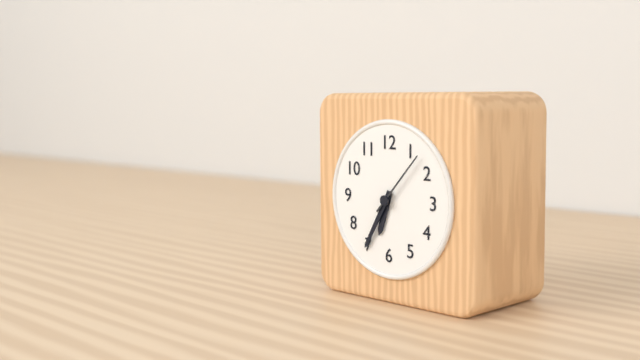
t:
6,35,07
